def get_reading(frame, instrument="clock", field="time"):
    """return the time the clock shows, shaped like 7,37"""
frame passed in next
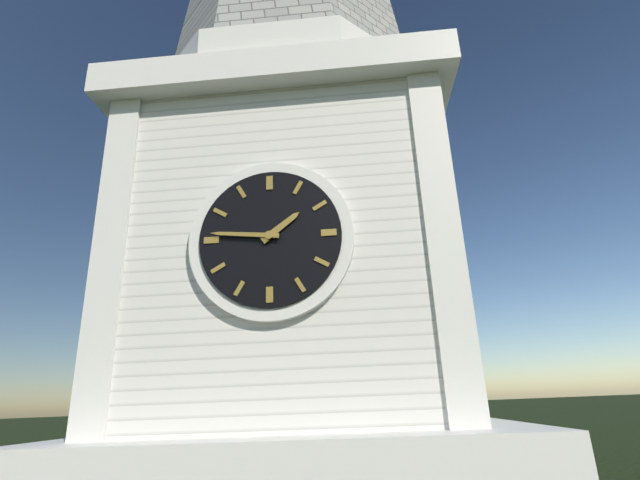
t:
1,46
